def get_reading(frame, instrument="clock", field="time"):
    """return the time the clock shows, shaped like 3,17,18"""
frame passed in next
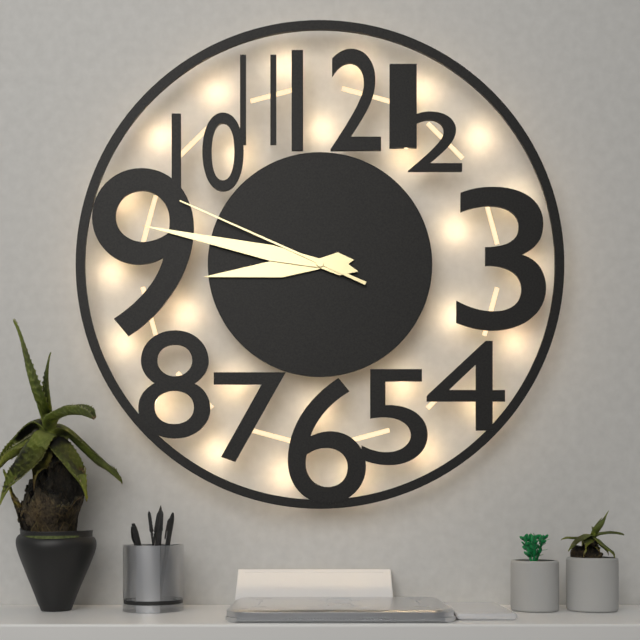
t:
8,47,49
